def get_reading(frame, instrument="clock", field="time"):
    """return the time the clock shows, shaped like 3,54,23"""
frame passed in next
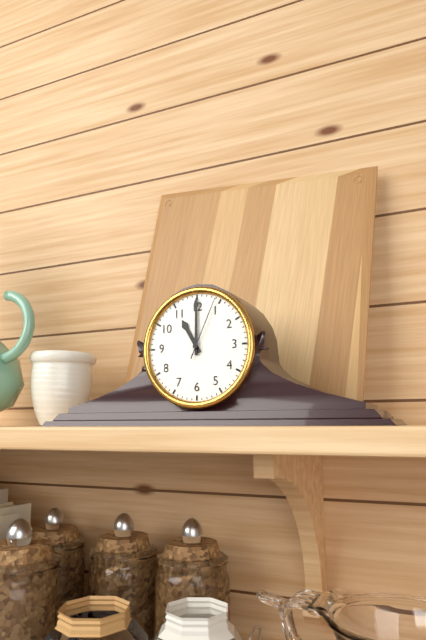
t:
11,00,04
